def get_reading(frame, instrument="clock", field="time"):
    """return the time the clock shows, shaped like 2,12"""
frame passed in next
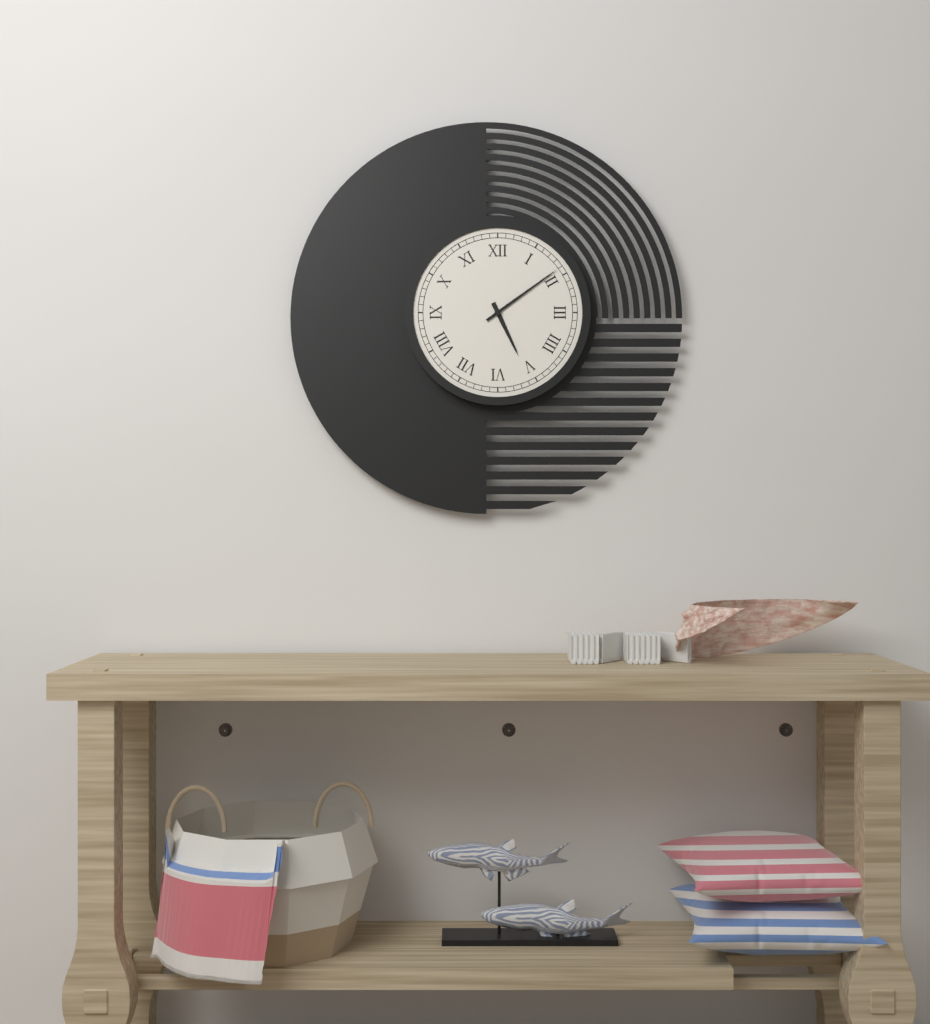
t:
5,09
